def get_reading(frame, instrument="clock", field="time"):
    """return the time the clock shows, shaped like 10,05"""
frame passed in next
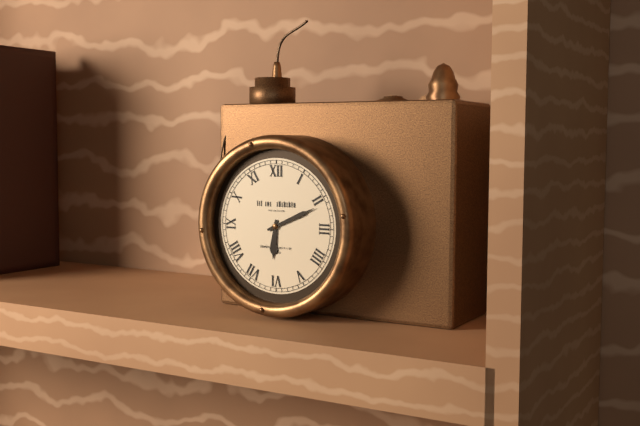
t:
6,11
